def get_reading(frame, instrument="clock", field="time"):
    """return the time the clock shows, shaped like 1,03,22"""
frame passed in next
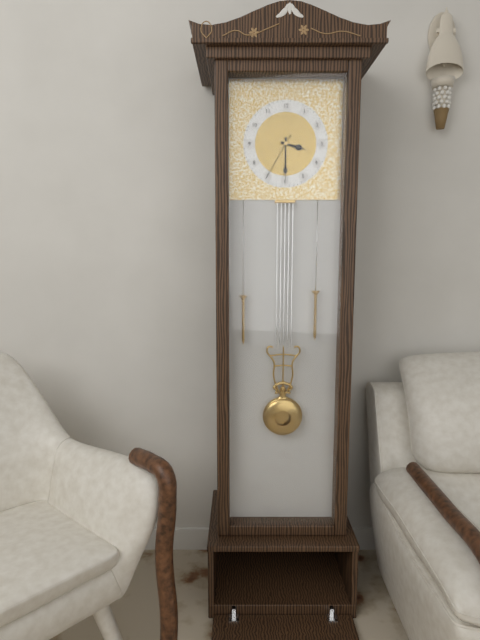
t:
3,30,35
